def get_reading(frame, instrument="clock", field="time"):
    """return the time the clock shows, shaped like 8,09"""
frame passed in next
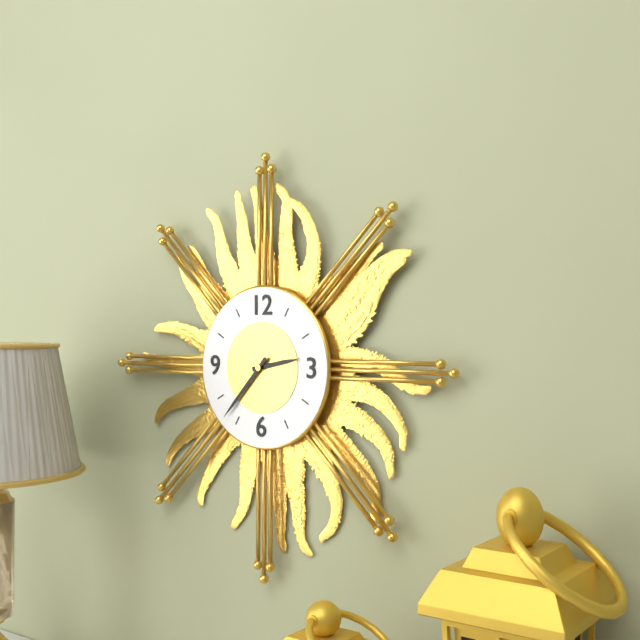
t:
2,37
